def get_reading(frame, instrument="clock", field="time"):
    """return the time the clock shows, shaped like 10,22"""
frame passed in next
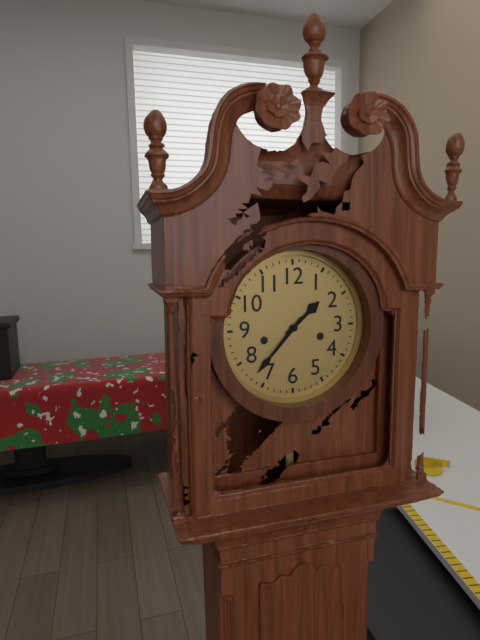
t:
1,37
